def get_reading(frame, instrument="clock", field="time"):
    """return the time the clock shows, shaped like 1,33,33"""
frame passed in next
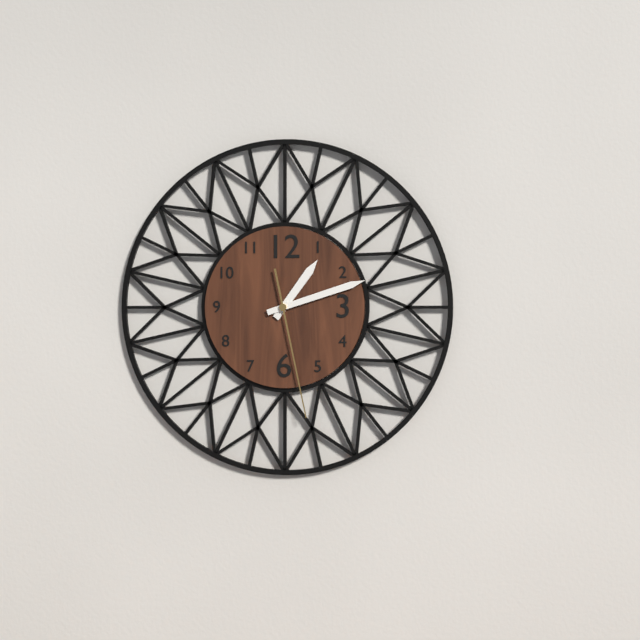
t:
1,12,28
